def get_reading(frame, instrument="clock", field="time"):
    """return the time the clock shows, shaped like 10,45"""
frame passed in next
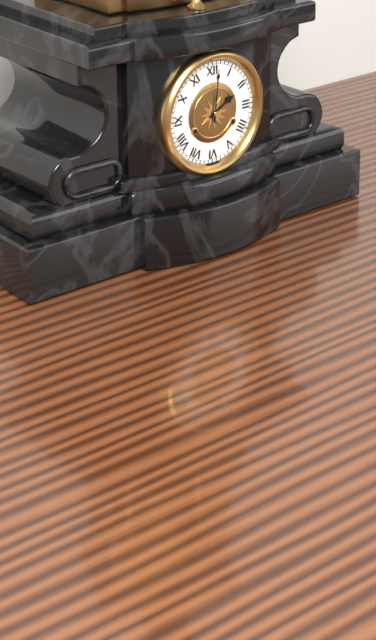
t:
2,01
